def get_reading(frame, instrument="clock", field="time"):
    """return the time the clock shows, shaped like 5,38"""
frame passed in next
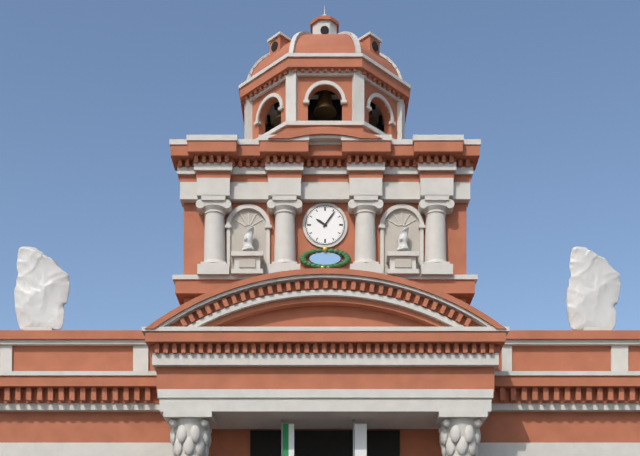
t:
10,06
